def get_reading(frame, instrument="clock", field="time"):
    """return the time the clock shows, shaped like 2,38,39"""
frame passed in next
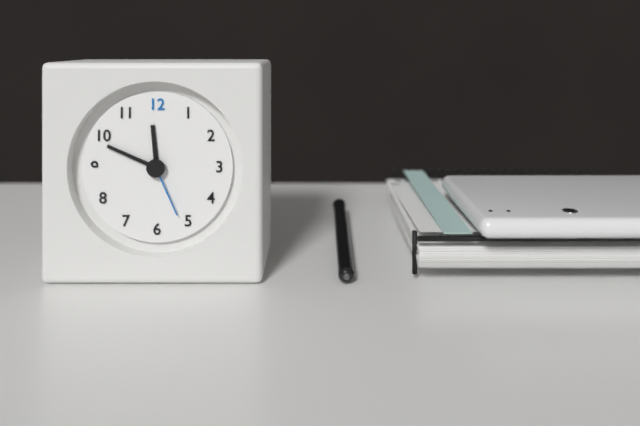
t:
11,49,26
